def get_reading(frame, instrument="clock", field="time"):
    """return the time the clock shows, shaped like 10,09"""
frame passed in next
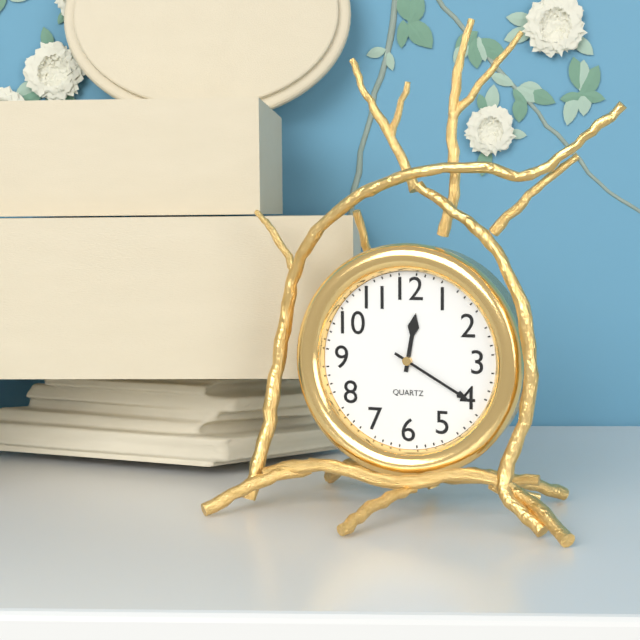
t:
12,20
